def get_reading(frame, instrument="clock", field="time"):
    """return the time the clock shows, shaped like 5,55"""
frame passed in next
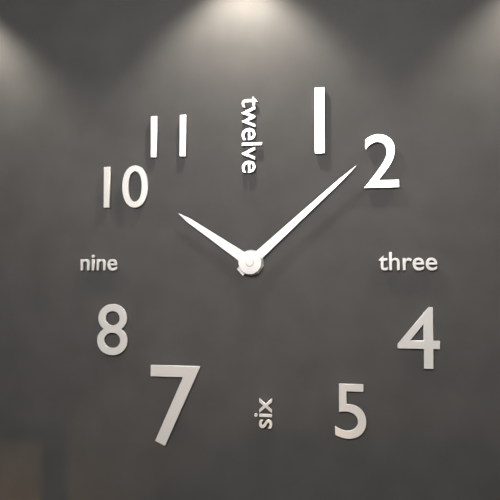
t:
10,08
